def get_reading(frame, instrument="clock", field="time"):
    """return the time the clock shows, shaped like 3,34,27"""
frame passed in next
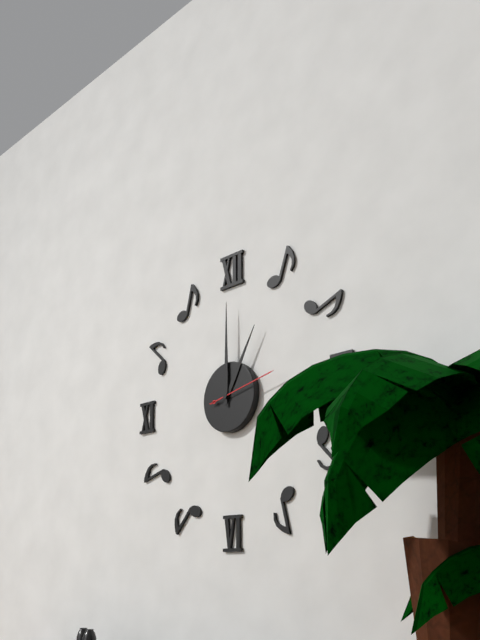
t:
1,00,13
